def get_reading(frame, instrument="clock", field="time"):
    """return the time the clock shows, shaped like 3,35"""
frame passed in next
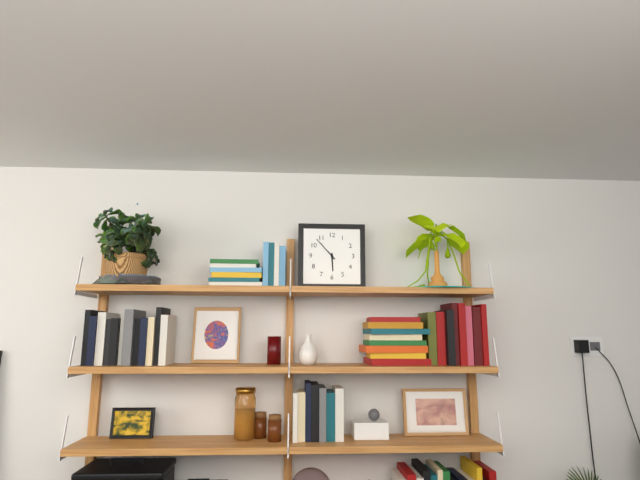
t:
5,53
